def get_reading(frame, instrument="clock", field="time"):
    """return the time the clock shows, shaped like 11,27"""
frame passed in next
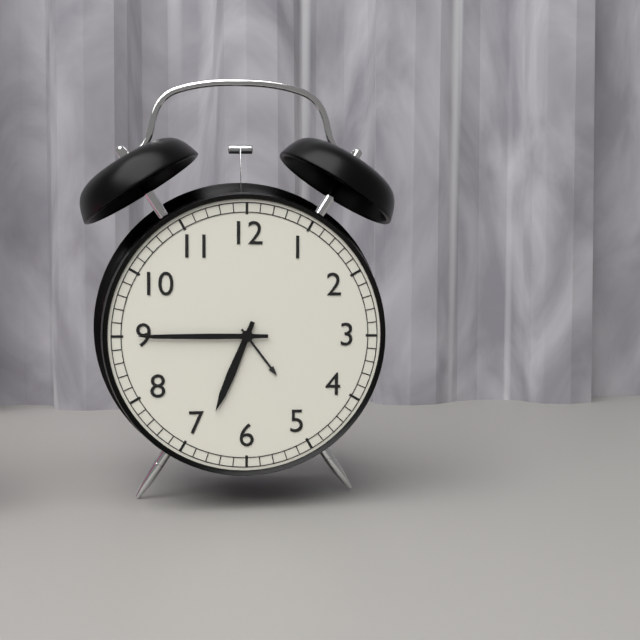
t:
6,45
